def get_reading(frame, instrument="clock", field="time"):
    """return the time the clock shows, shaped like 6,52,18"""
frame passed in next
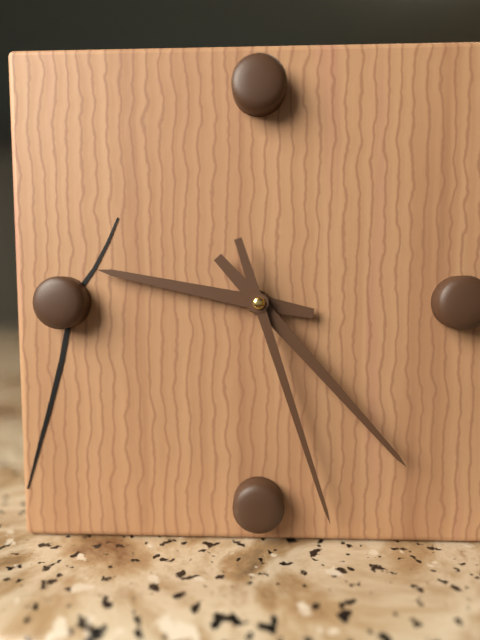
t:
9,23,27
